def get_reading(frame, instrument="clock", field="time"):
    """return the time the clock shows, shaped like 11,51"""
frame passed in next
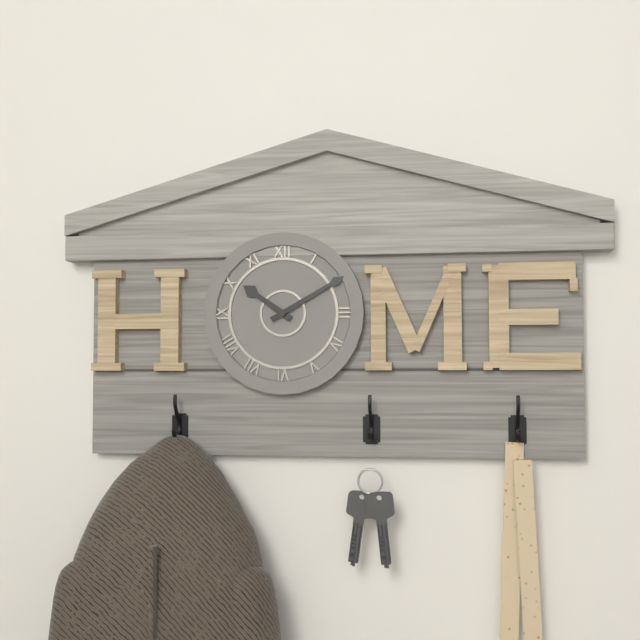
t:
10,10
